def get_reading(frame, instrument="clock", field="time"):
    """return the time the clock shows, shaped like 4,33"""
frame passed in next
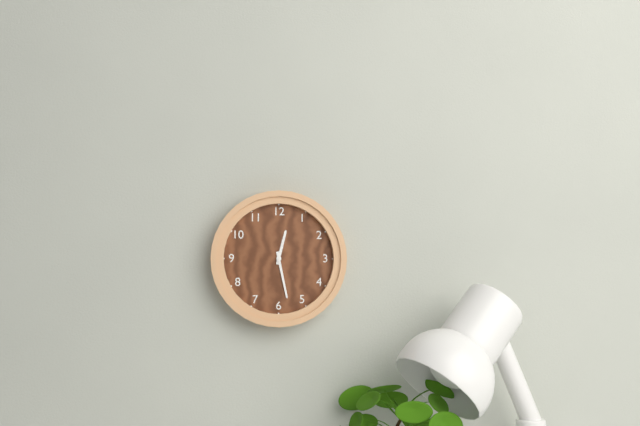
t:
12,28
